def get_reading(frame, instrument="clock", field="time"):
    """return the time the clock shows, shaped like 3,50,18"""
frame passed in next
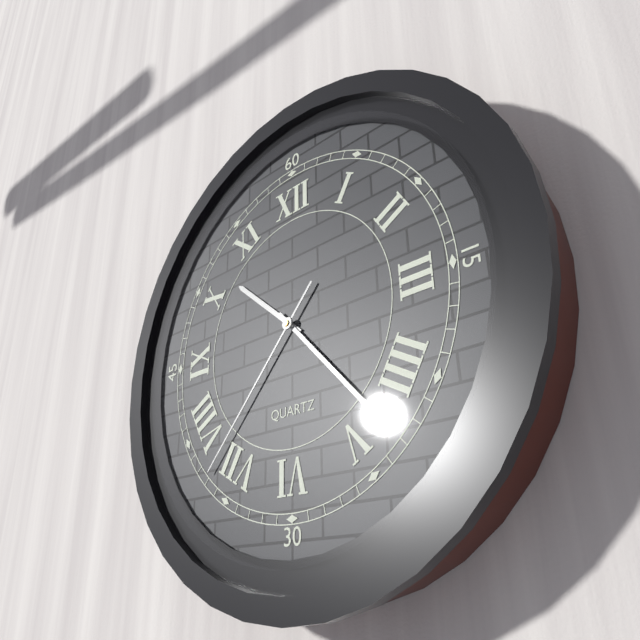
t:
10,23,37
